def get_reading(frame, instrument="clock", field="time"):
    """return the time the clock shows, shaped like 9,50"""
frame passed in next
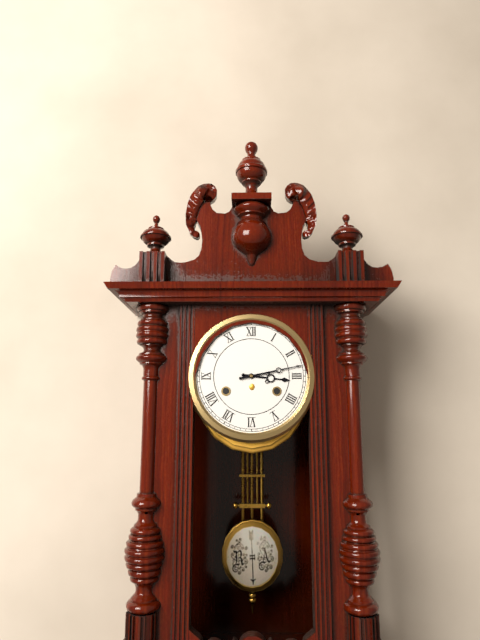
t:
3,13
